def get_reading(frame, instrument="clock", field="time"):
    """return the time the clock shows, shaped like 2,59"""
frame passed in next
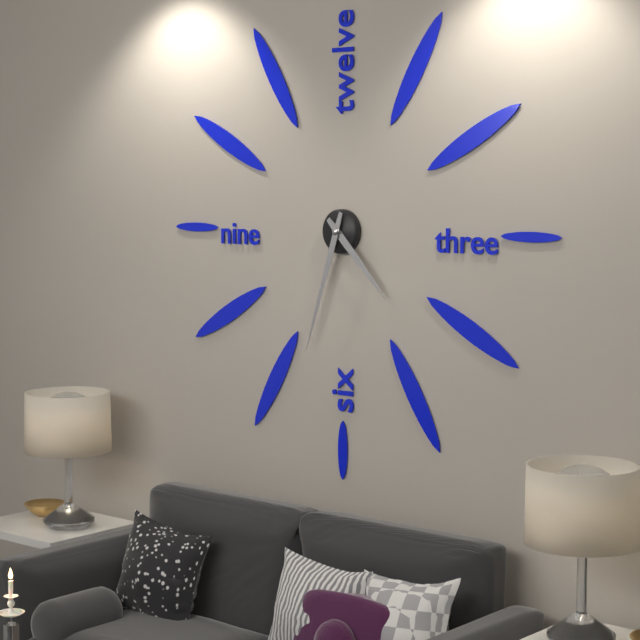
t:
4,33
